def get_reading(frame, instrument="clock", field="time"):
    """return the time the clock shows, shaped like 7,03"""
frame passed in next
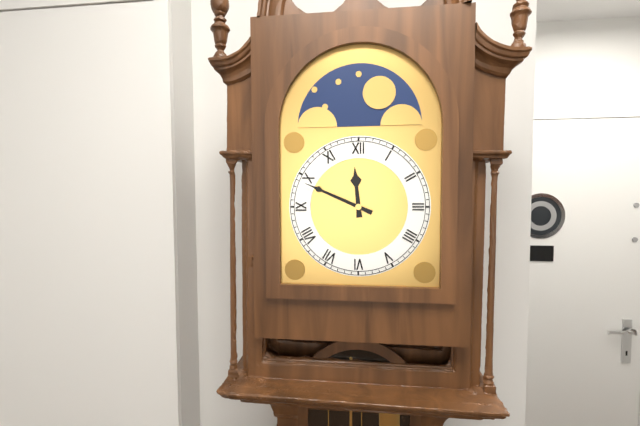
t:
11,49
